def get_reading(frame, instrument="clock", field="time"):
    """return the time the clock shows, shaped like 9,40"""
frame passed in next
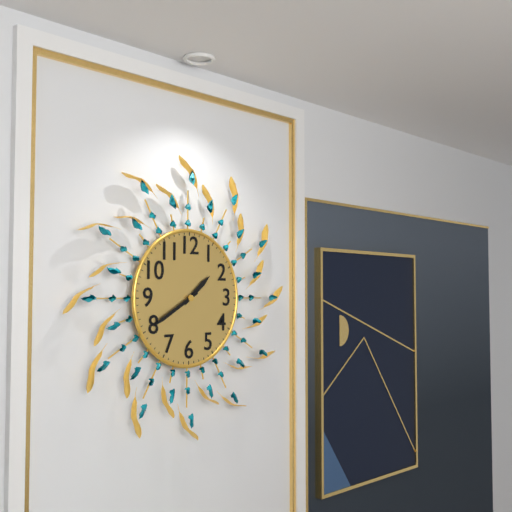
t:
1,40
